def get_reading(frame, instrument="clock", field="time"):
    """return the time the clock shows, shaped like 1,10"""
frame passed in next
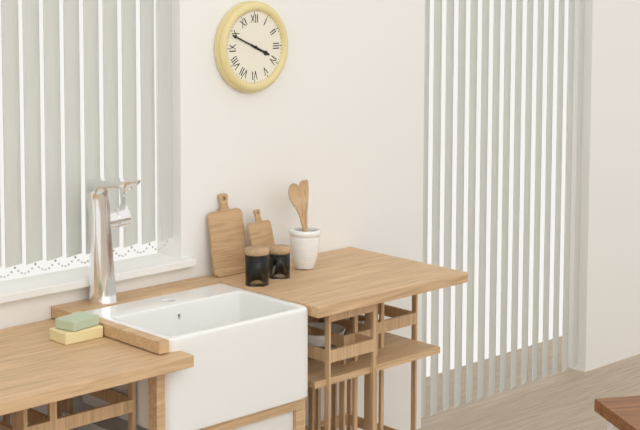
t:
3,49
